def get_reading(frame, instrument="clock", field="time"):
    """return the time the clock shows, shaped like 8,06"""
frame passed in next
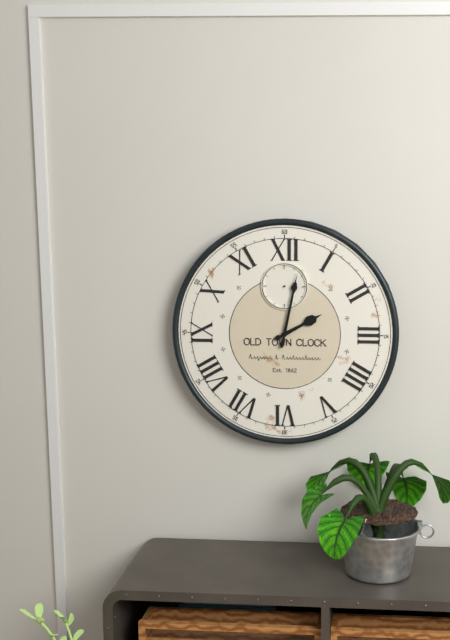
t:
2,02
